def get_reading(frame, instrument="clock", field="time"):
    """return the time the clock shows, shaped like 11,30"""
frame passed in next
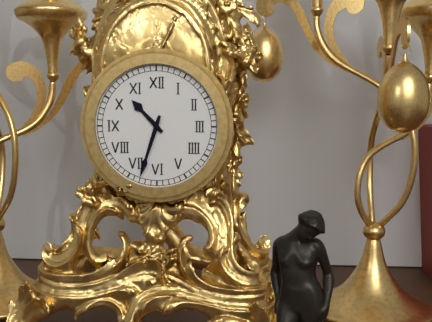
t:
10,33
